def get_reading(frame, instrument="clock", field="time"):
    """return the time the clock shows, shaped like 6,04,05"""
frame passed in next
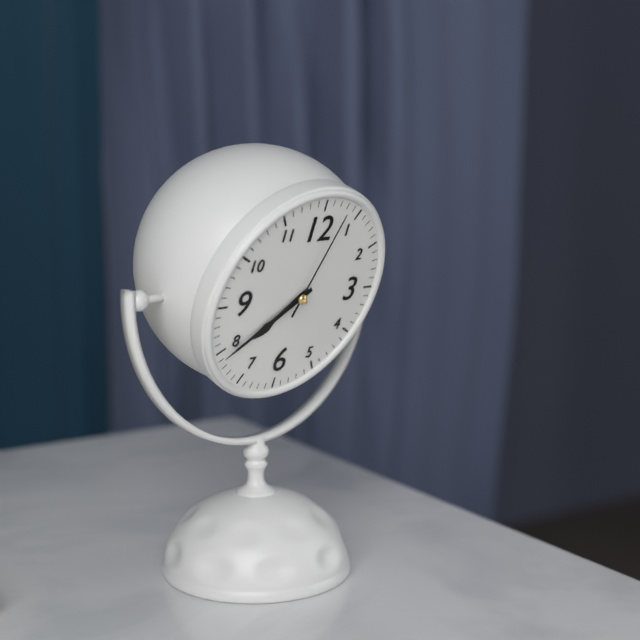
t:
7,39,03
